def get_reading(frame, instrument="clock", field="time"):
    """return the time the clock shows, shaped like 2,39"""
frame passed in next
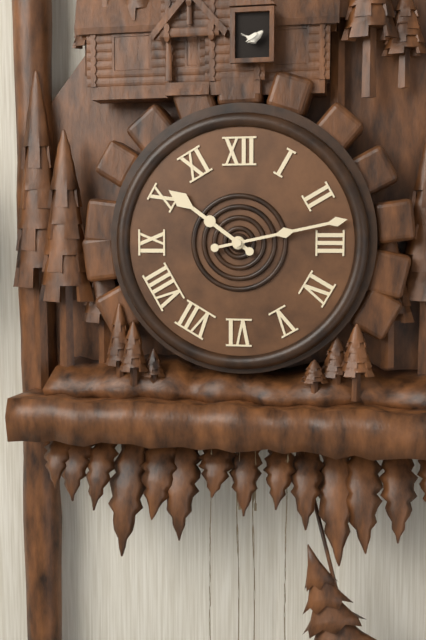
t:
10,13
